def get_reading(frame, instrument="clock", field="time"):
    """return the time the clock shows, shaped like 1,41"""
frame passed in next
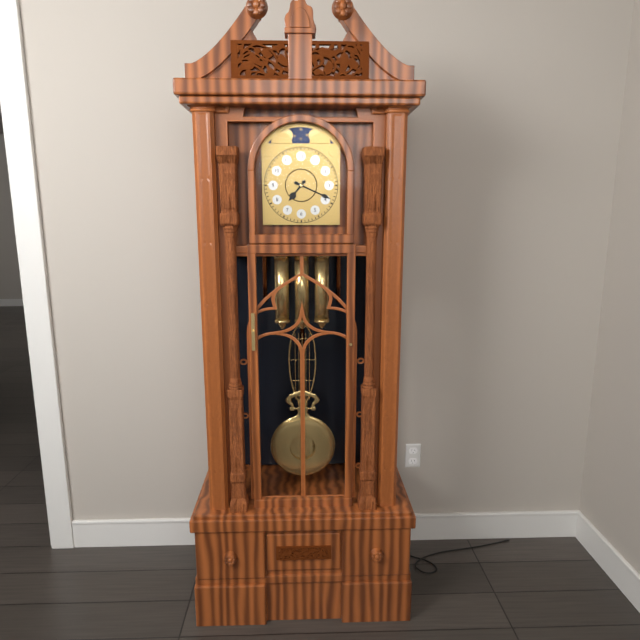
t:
7,19
